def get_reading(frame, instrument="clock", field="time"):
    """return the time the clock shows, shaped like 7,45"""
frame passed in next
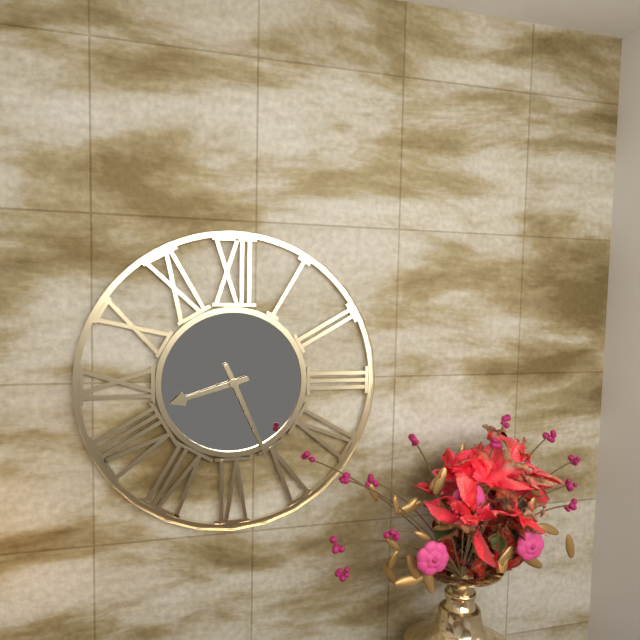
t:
8,26
